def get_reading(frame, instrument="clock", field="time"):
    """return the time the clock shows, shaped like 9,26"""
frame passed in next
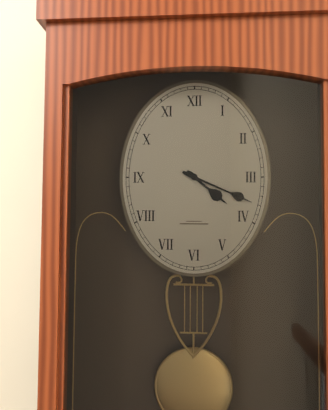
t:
4,19
